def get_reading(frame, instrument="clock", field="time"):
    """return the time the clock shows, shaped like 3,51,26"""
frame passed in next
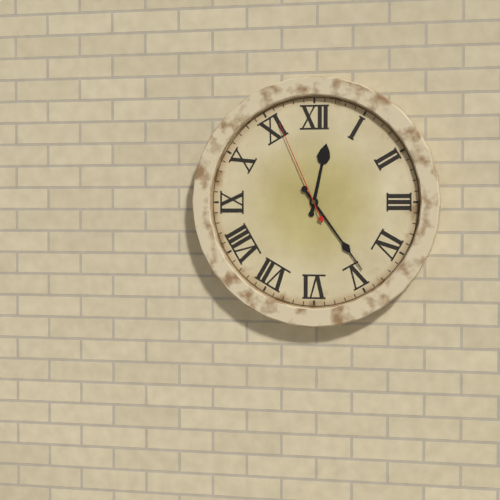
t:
12,24,56
